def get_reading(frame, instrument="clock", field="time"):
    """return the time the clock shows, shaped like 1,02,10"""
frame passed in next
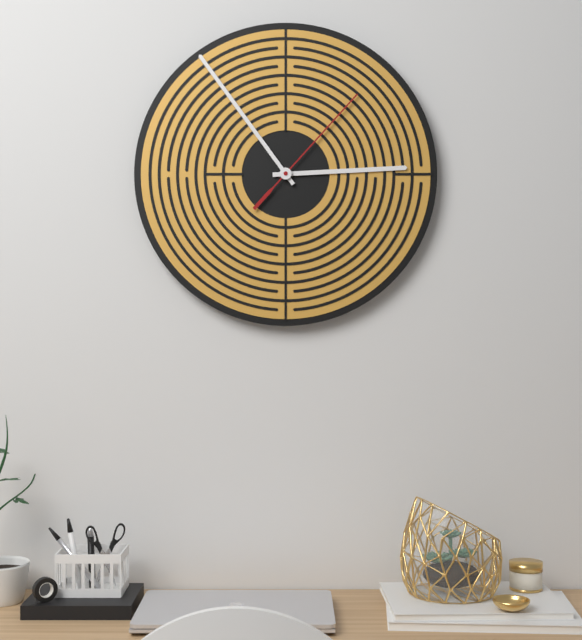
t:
2,54,07
